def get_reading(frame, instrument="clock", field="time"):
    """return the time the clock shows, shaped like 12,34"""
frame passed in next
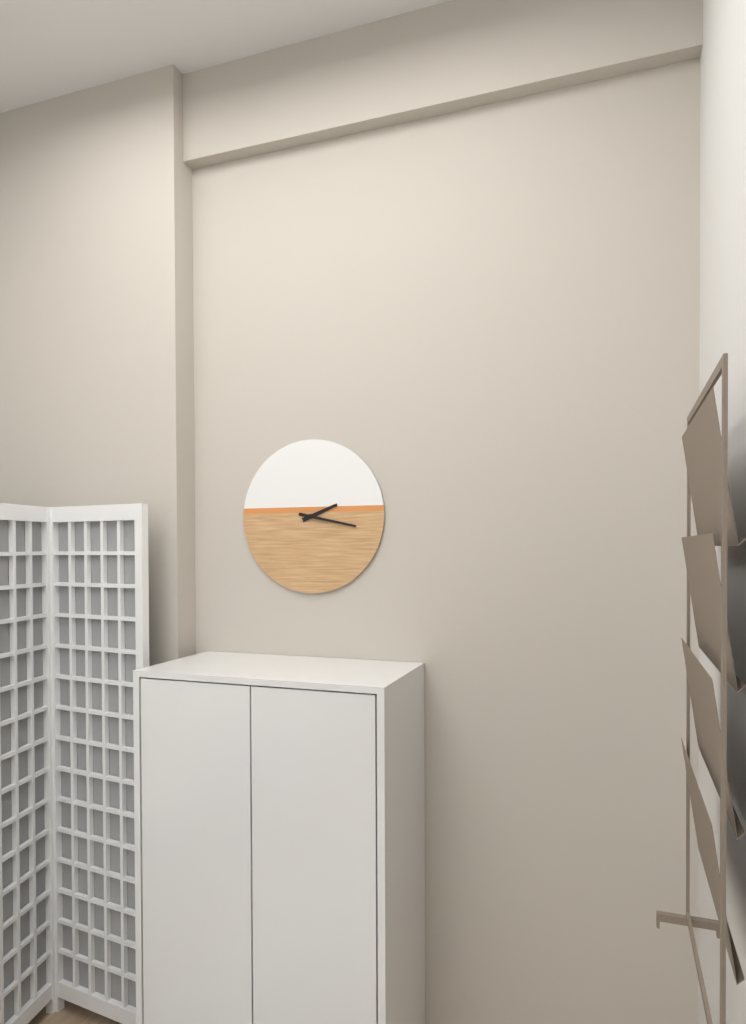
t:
2,17
